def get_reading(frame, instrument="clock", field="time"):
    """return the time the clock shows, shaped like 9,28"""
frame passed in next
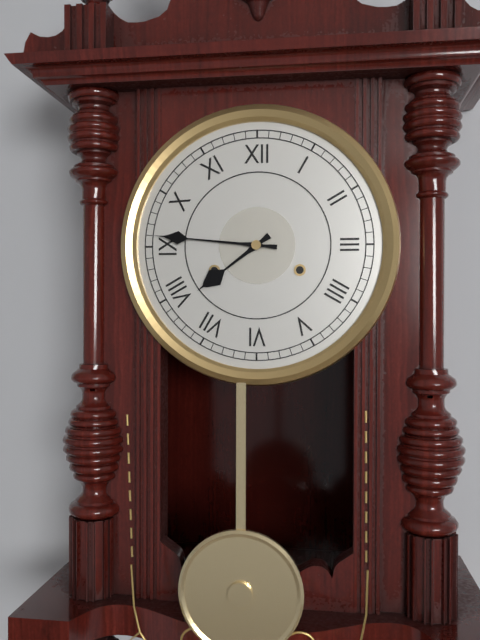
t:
7,46
